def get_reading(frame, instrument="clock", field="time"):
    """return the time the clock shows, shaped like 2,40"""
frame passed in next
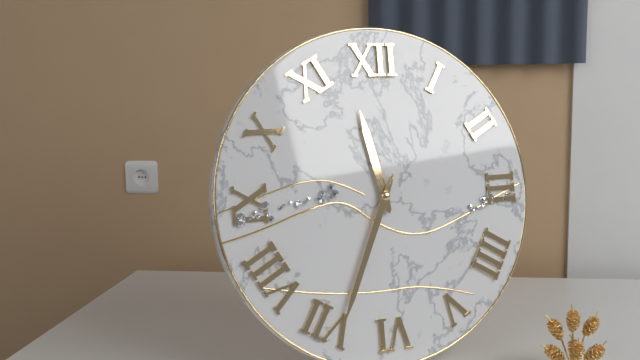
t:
11,34
